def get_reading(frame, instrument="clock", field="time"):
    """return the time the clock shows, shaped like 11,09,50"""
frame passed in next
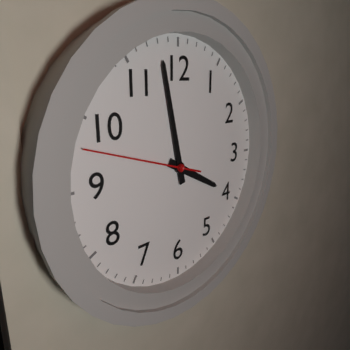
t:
3,58,48
